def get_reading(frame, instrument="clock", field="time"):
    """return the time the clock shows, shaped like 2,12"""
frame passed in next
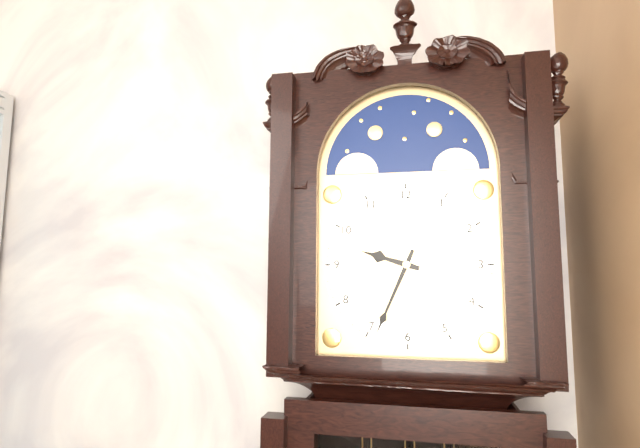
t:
9,34
